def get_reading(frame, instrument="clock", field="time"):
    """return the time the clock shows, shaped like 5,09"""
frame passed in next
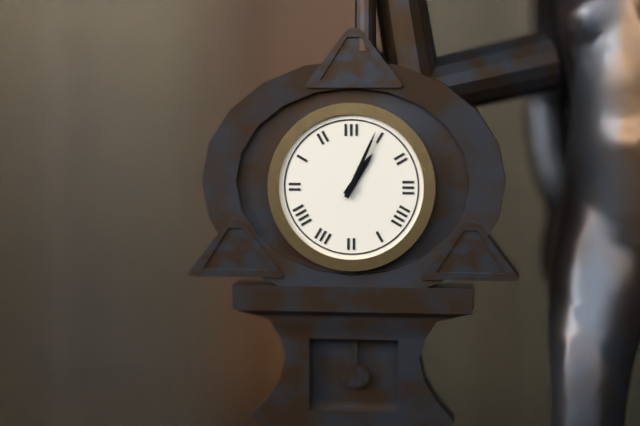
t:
1,04
